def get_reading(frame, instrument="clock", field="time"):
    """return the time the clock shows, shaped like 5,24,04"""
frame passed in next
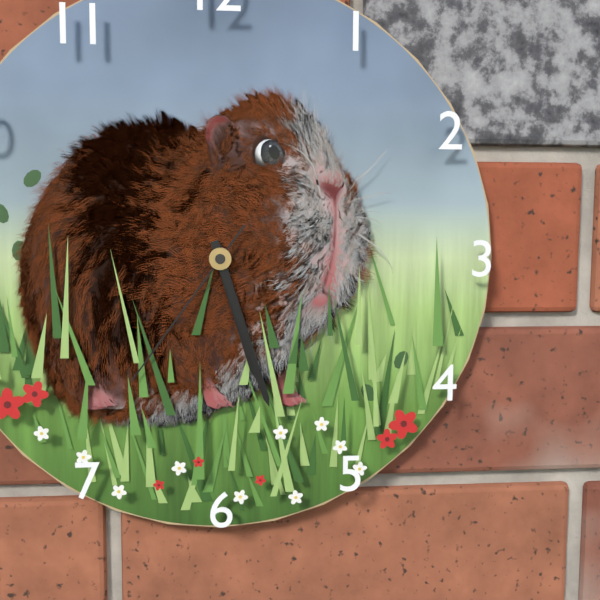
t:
5,27,36
